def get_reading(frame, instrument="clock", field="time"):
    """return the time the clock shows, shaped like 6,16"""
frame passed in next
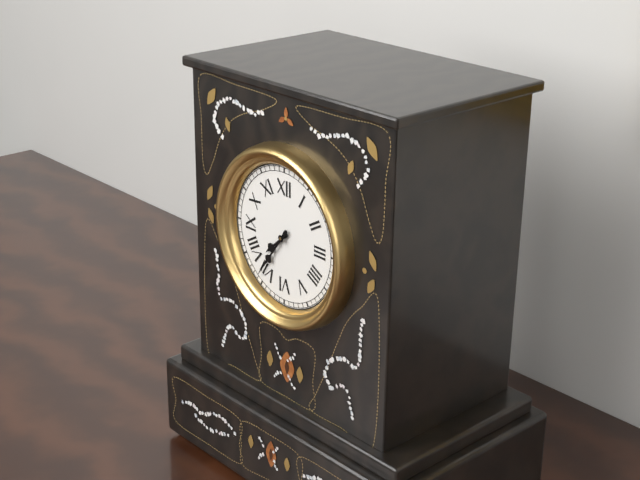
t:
7,36
